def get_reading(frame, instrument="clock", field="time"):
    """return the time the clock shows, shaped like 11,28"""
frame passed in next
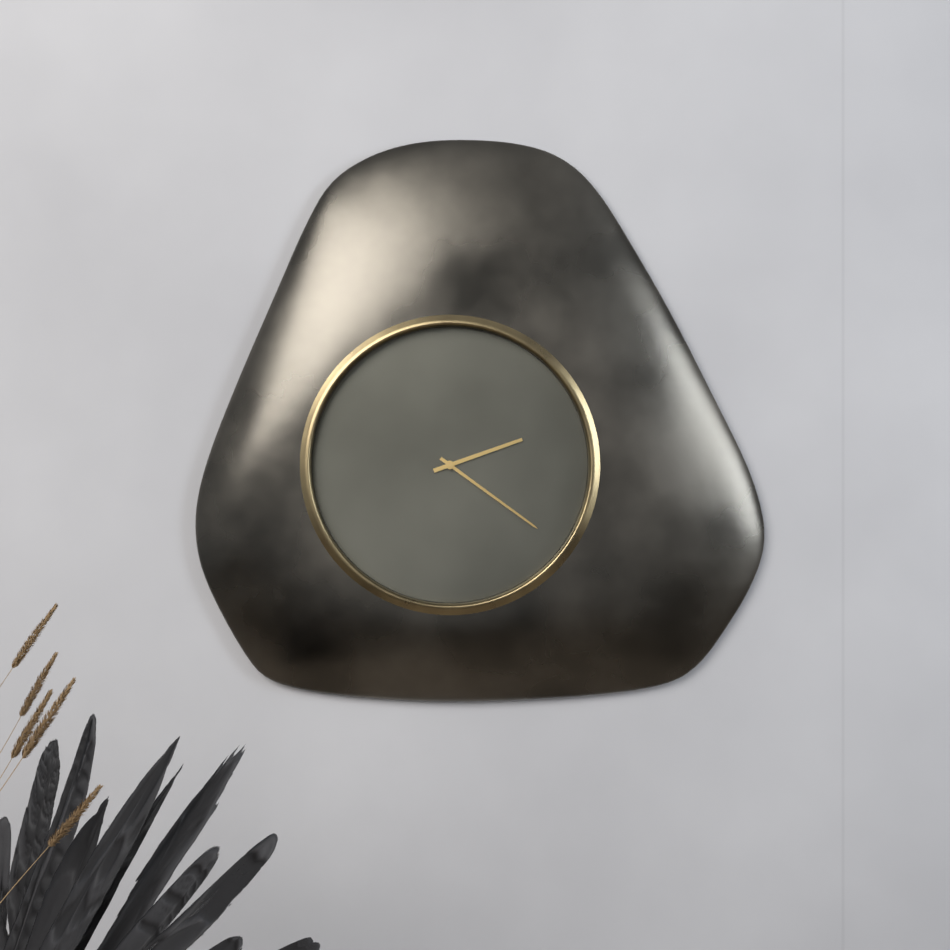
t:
2,21
